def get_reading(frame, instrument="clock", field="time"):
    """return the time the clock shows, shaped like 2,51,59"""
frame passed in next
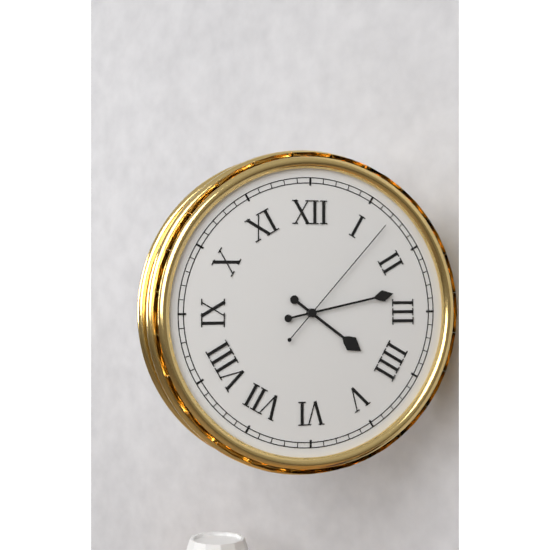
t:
4,13,07
